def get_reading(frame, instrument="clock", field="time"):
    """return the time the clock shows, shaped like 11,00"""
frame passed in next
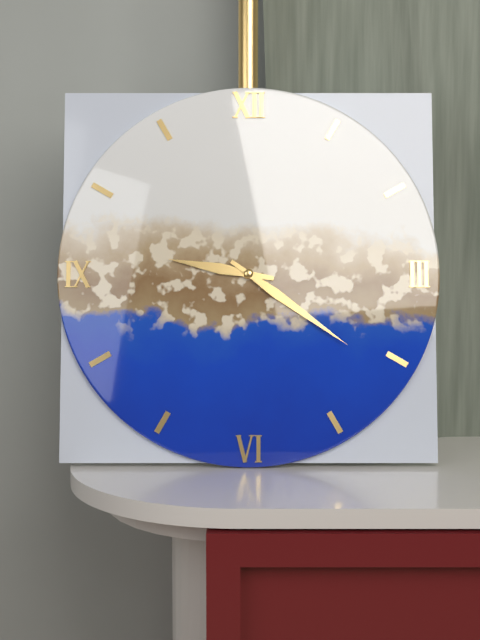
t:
9,21
